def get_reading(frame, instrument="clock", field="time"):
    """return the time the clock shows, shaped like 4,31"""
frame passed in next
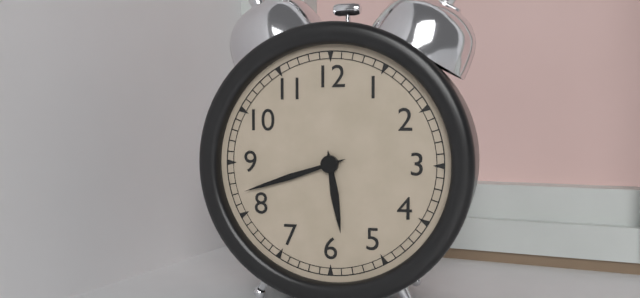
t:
5,42
